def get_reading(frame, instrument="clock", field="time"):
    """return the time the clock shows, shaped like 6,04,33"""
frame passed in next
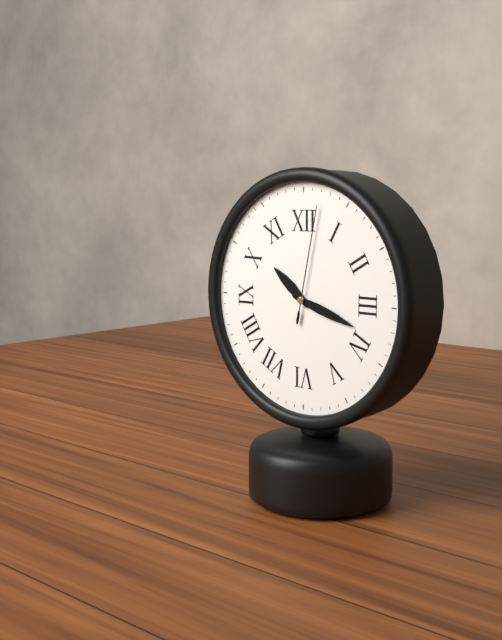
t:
10,18,02
